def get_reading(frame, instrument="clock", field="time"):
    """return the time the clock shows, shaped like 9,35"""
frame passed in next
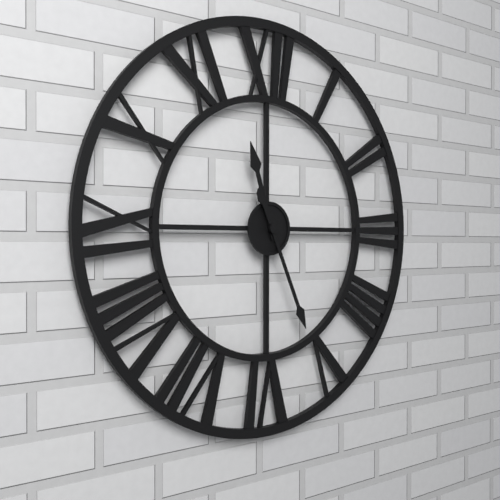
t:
11,26
